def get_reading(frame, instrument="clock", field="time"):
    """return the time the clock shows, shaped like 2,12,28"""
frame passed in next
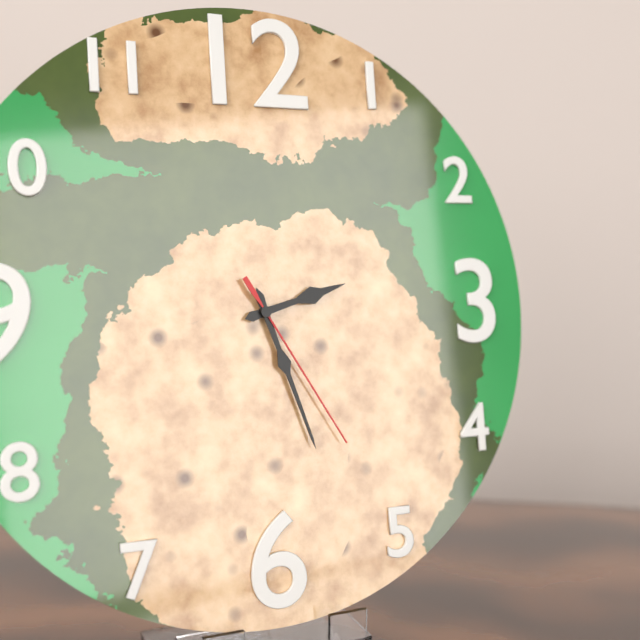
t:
2,27,25
